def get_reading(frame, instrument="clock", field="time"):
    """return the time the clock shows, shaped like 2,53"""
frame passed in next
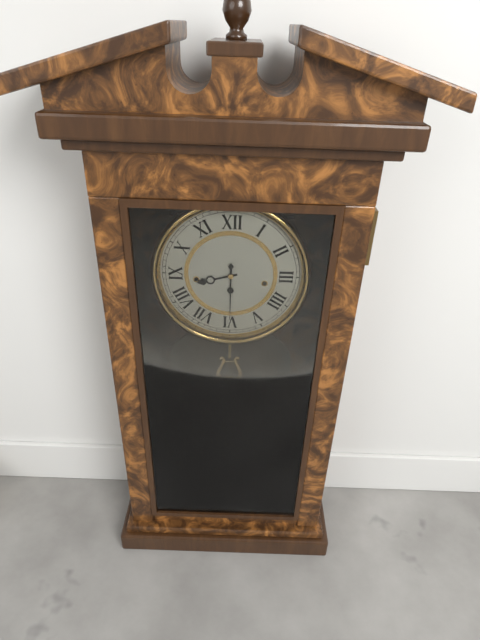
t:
8,30
